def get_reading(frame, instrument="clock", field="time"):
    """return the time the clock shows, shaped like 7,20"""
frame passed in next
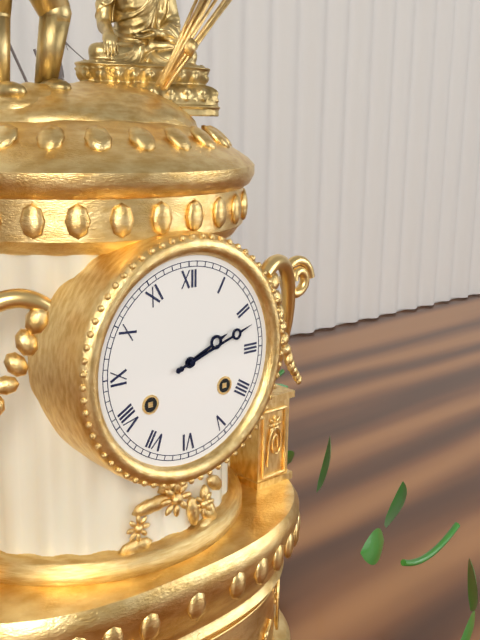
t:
2,12
